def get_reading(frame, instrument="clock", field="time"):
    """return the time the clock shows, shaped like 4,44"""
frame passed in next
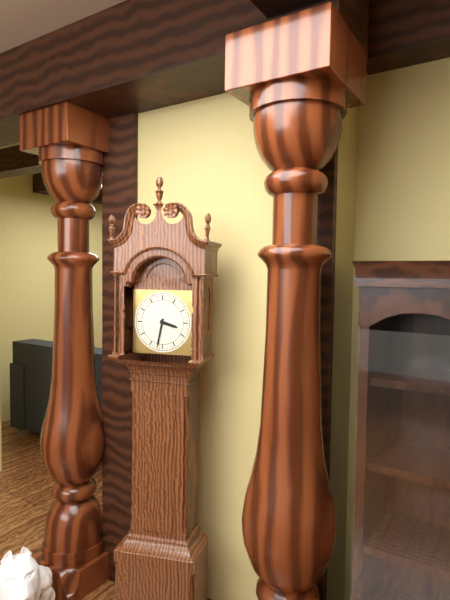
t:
3,32
